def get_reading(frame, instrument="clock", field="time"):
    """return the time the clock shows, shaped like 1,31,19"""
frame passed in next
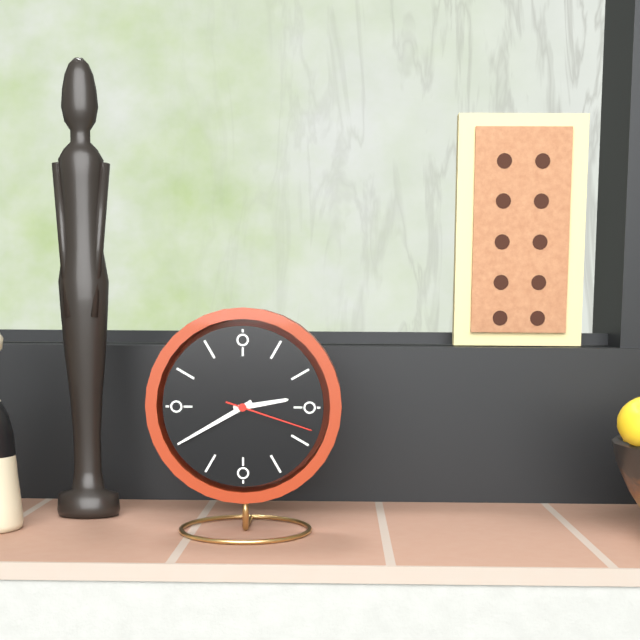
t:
2,40,18
